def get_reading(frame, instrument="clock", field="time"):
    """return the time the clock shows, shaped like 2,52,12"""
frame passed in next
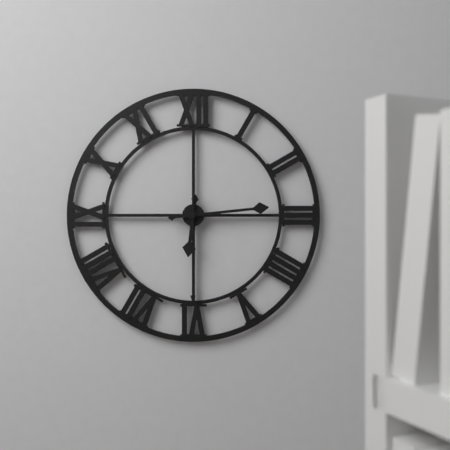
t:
6,14,30
